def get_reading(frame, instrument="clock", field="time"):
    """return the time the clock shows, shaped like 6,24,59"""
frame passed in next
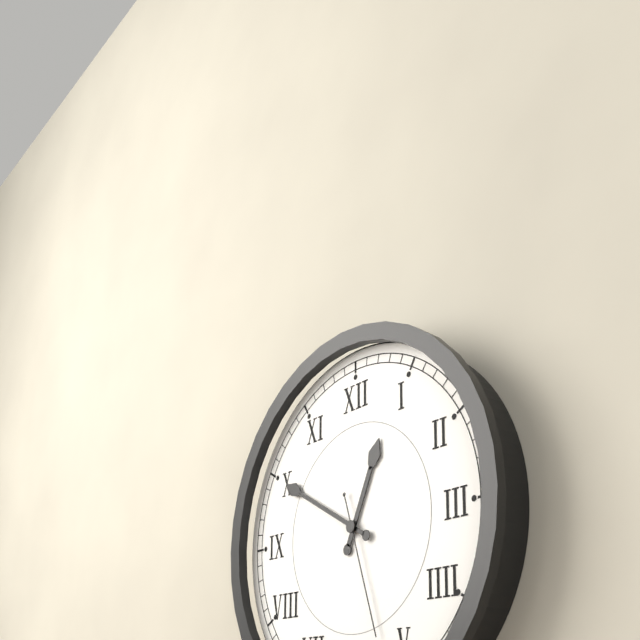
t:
12,50,27
